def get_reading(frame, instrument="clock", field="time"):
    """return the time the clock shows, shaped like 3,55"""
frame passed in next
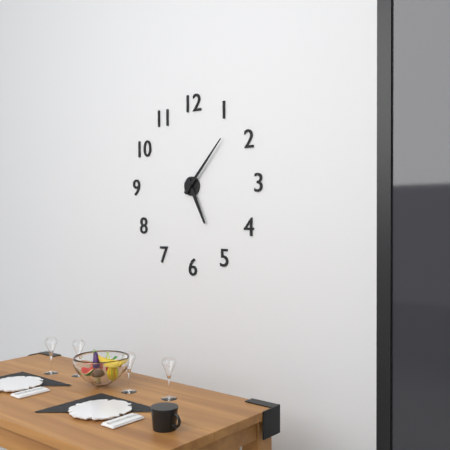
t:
5,07
